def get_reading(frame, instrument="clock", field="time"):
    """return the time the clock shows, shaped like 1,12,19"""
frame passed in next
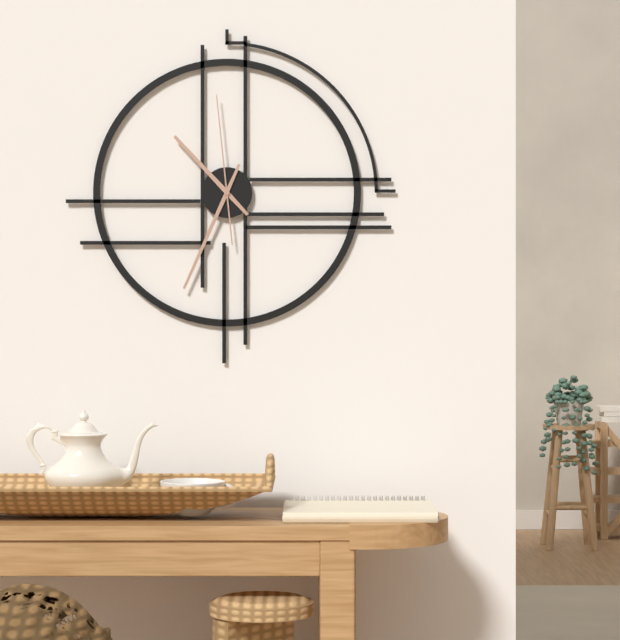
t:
10,34,59
